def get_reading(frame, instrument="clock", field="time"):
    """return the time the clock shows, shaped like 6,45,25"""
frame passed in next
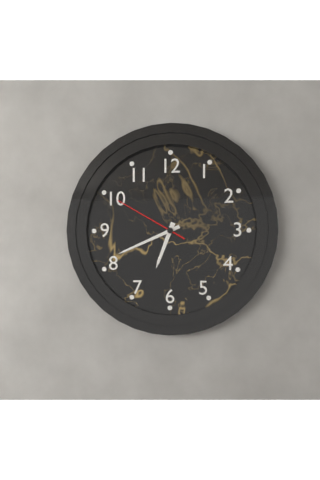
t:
6,41,50
